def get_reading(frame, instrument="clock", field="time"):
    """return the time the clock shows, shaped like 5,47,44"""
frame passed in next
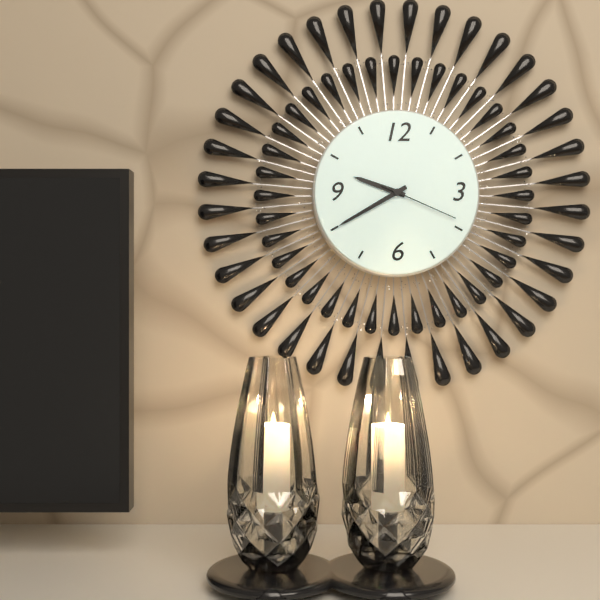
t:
9,40,19
